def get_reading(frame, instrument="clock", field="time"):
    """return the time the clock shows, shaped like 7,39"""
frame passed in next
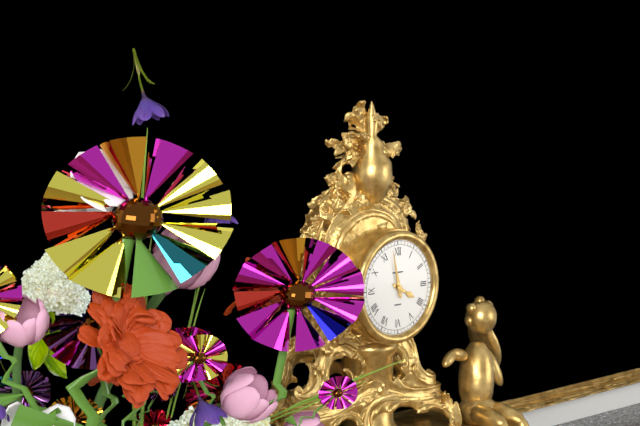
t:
3,58
